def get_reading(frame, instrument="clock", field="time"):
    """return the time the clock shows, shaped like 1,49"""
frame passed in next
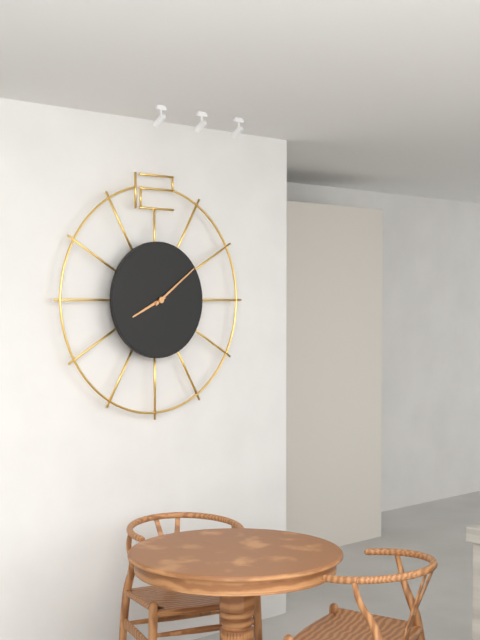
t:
8,09
